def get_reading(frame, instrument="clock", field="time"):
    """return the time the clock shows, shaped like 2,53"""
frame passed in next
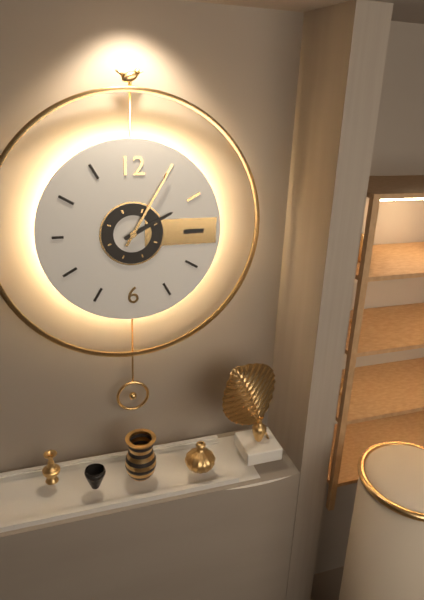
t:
2,05
